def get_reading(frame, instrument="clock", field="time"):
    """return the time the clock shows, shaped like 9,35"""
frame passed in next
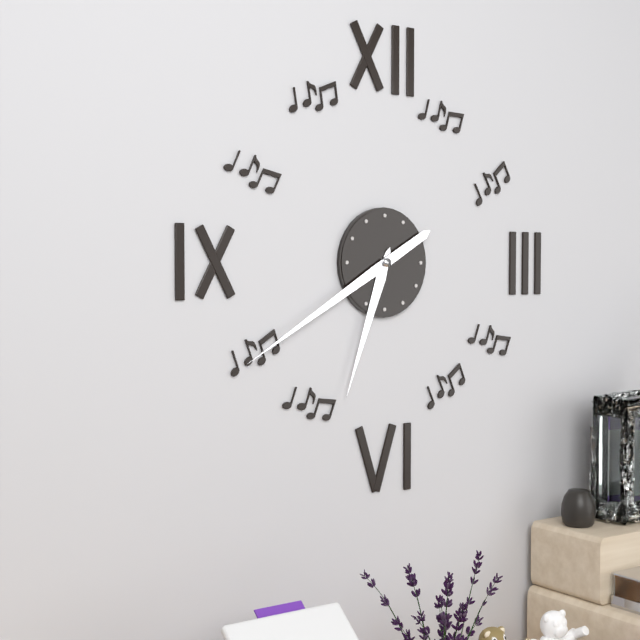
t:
6,40
